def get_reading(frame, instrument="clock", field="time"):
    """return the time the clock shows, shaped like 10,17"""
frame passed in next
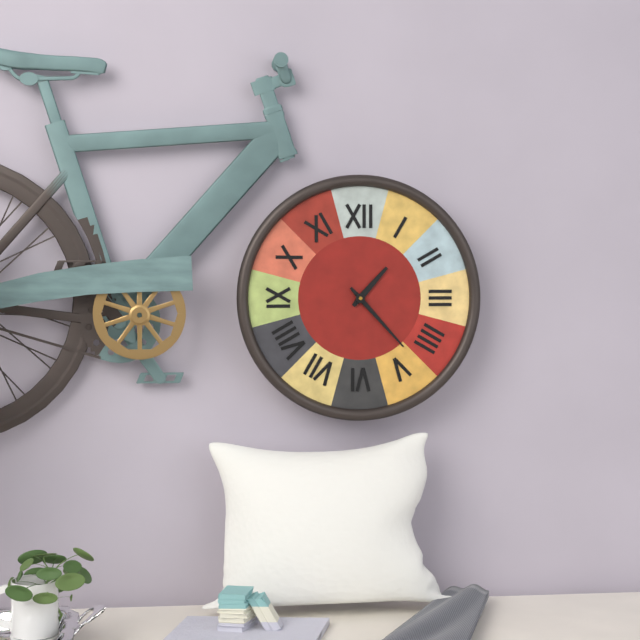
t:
1,23
